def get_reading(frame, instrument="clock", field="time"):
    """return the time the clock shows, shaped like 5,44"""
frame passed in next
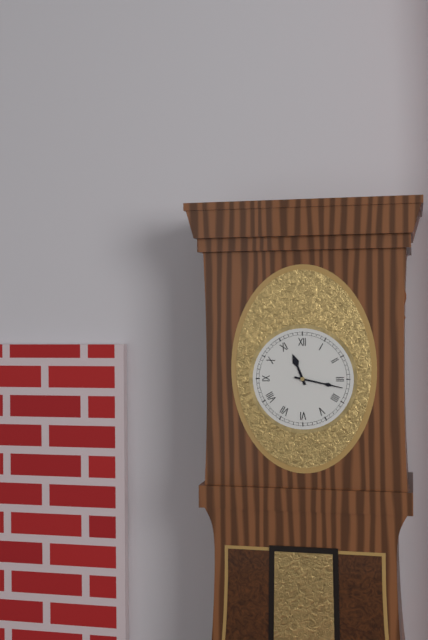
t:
11,17
